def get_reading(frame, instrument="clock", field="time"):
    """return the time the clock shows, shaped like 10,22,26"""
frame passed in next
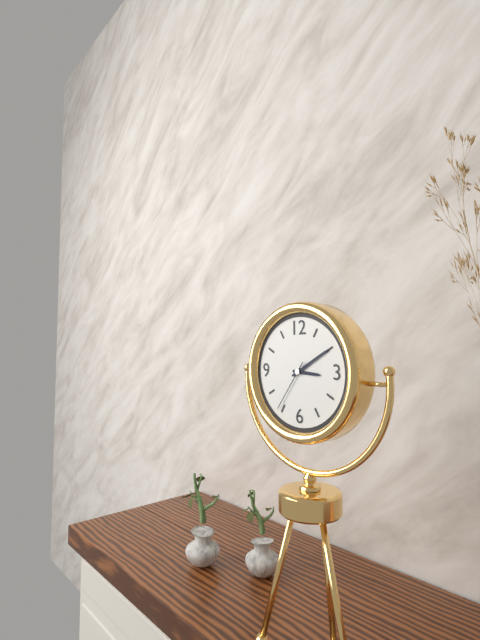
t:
3,10,36
